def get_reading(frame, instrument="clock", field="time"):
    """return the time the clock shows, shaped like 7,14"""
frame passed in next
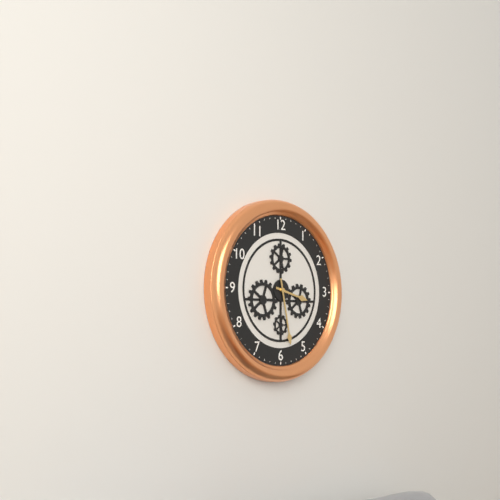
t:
3,28
